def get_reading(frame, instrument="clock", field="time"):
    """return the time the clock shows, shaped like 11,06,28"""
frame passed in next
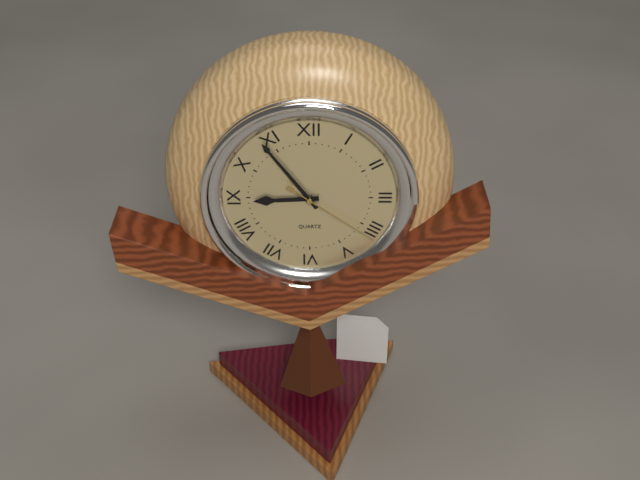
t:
8,54,21
